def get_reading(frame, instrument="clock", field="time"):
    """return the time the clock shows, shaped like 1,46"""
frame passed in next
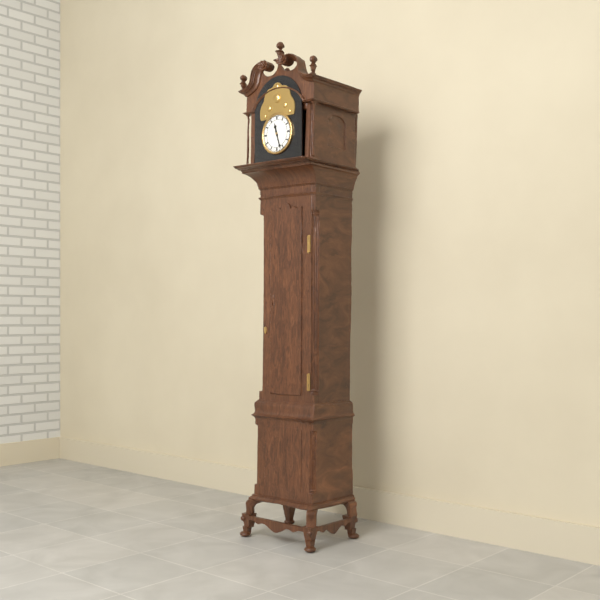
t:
11,27
